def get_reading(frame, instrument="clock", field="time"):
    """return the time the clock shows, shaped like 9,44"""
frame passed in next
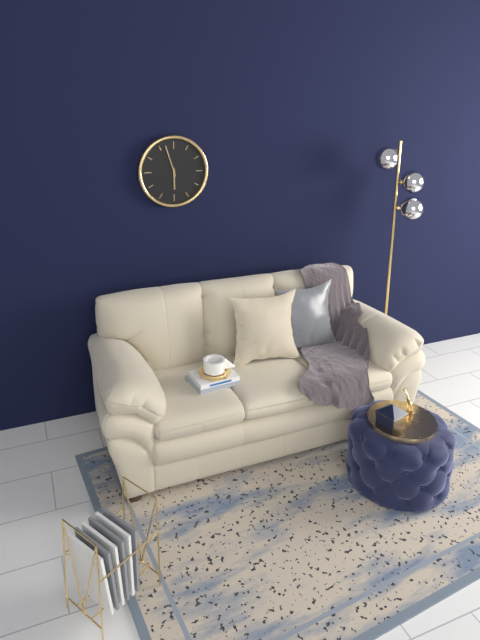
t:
5,57
